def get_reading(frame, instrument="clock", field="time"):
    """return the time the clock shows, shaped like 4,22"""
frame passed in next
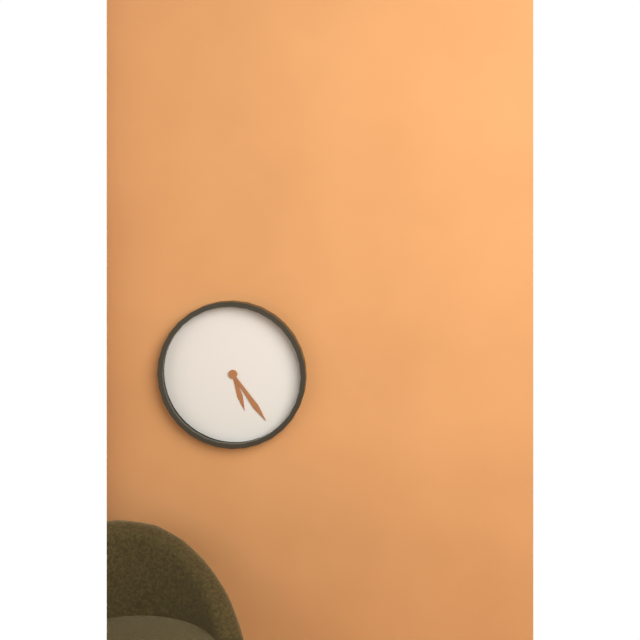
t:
5,24
